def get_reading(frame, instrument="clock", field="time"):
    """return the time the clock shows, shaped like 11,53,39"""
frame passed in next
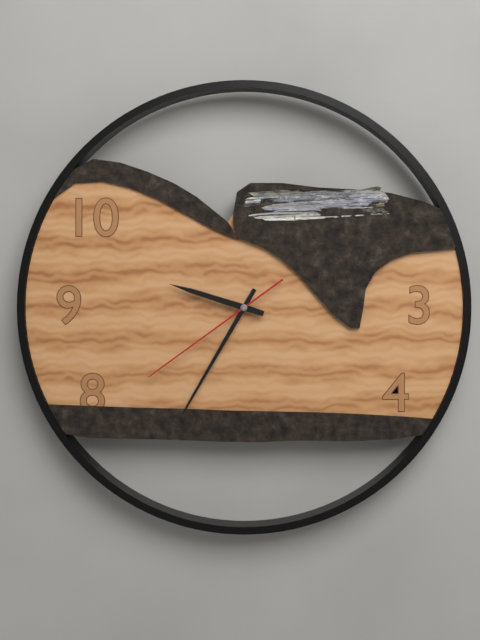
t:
9,35,39
